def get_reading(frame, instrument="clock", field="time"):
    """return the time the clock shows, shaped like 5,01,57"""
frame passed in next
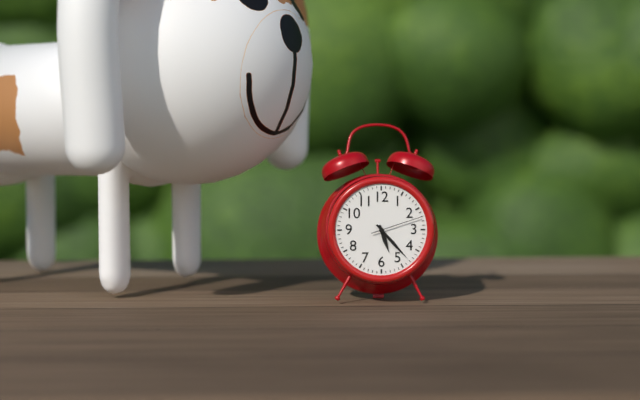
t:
5,23,12
